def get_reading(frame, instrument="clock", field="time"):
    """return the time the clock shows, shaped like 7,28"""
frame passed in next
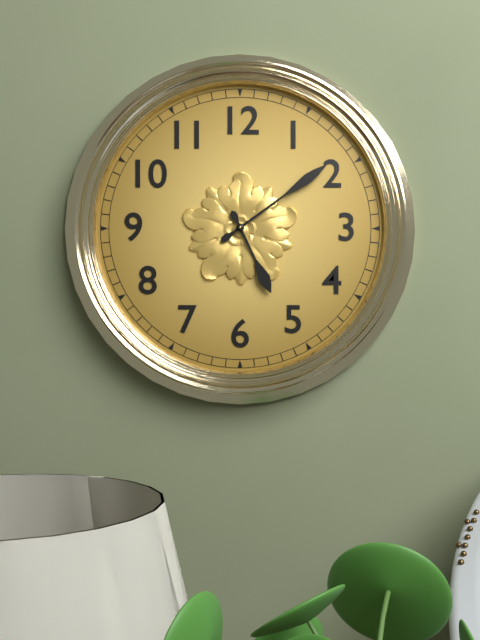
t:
5,09
